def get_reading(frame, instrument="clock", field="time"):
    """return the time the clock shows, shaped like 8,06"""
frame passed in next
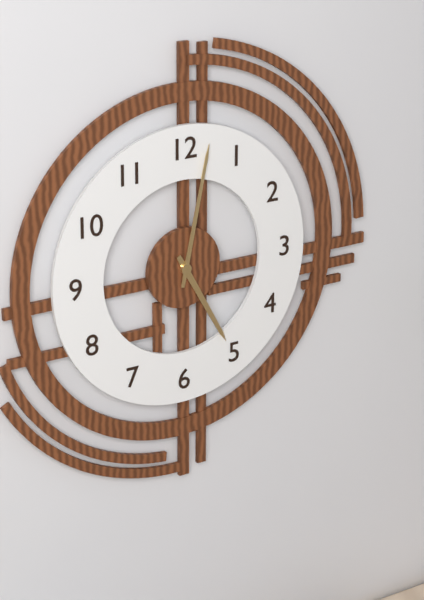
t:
5,02
